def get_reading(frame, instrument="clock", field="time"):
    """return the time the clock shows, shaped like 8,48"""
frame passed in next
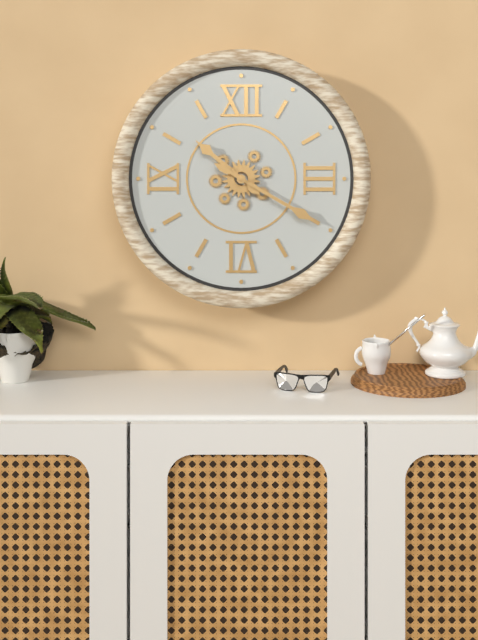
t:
10,20
